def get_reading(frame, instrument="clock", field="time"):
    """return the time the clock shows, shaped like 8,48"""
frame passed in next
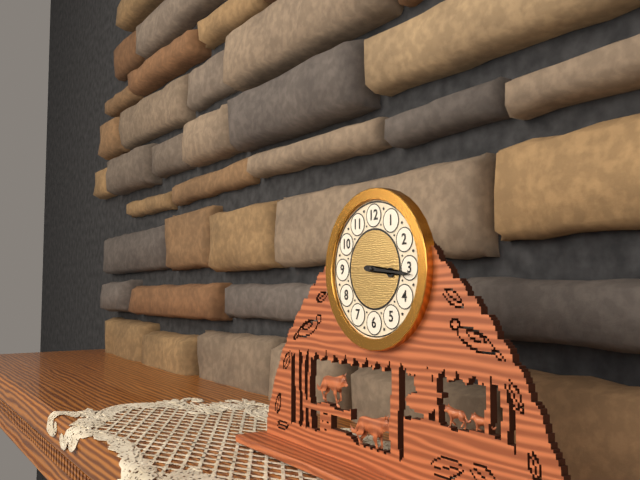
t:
3,16
